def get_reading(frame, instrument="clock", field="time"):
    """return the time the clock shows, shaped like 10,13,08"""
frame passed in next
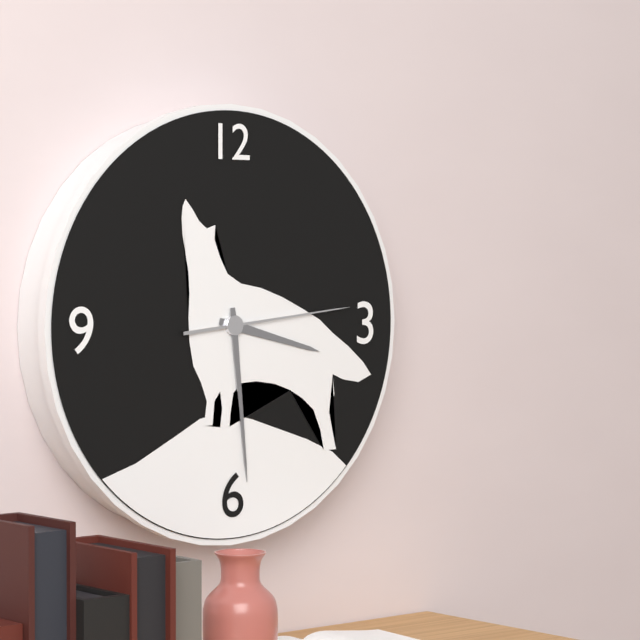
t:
3,29,14
